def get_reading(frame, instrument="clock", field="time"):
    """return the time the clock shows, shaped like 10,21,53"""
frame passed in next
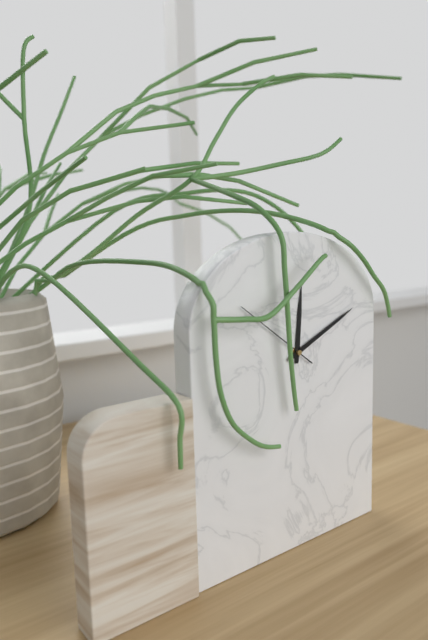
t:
12,11,51
